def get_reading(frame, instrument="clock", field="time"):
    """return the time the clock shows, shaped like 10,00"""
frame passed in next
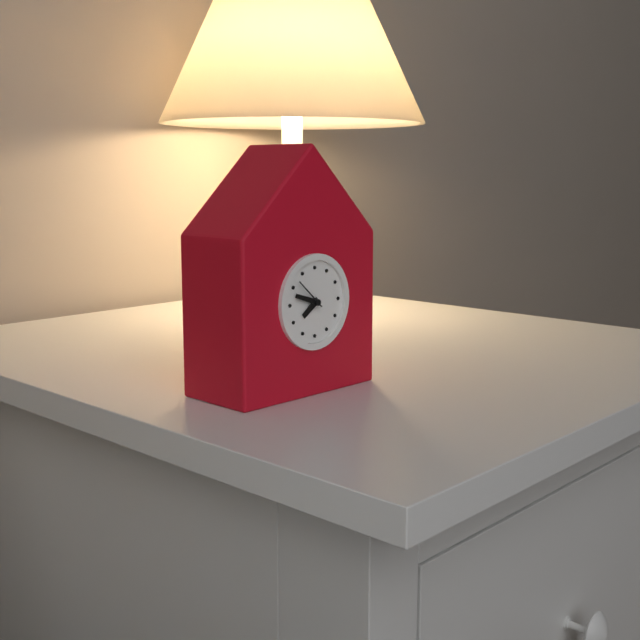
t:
7,48
